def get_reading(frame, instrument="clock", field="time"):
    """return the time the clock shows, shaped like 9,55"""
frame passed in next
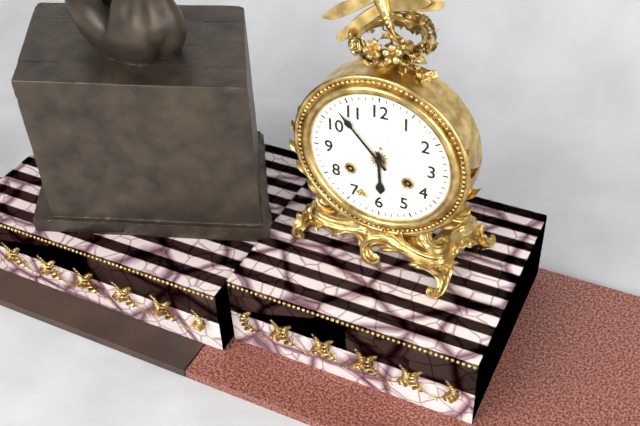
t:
5,53
